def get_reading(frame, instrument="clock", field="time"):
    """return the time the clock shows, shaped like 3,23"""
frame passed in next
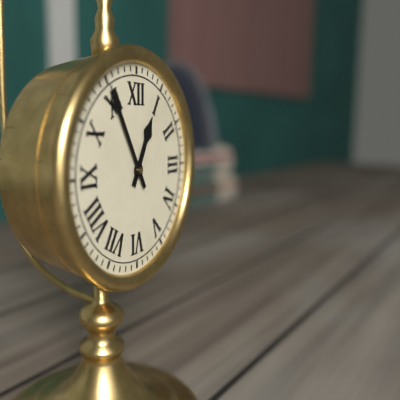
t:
12,55
